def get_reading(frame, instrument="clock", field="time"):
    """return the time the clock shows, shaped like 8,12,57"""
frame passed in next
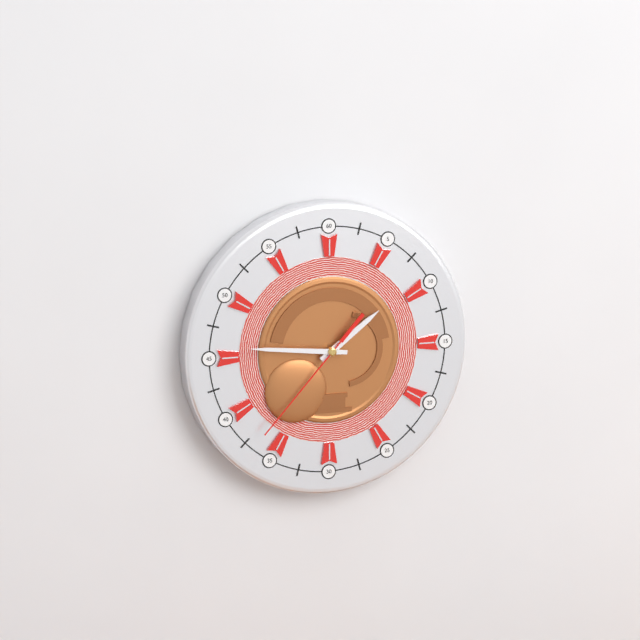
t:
1,46,37
